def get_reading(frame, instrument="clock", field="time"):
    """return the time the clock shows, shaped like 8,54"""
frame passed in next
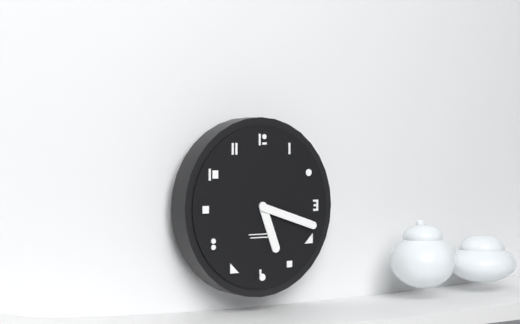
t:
5,18
